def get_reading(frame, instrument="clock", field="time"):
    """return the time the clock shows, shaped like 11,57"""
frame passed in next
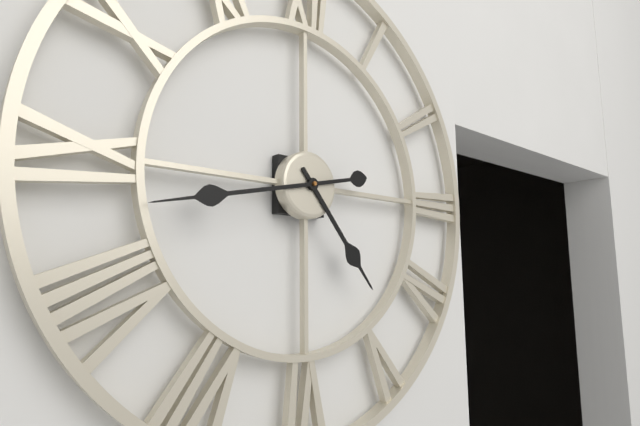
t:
4,43
